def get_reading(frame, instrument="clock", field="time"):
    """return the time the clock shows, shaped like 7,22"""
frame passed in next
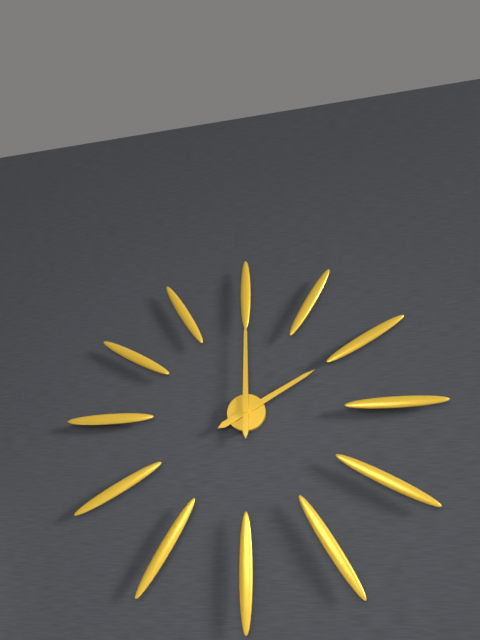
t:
2,00
